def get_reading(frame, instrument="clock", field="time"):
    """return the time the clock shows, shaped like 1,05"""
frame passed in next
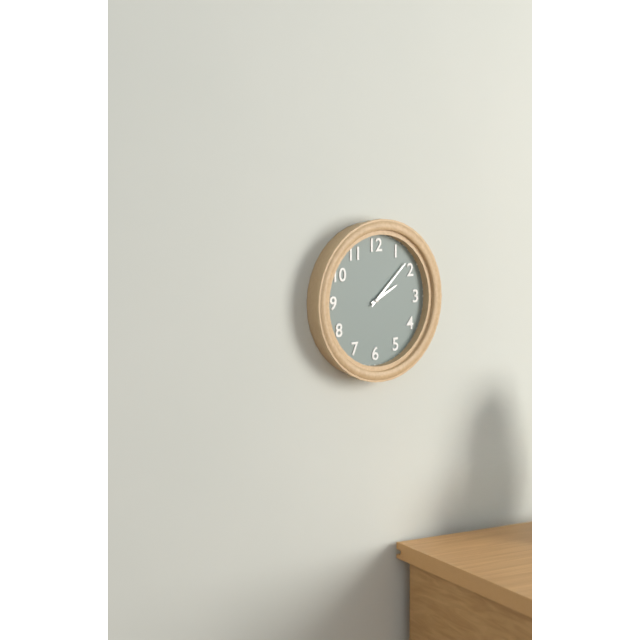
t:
2,08
